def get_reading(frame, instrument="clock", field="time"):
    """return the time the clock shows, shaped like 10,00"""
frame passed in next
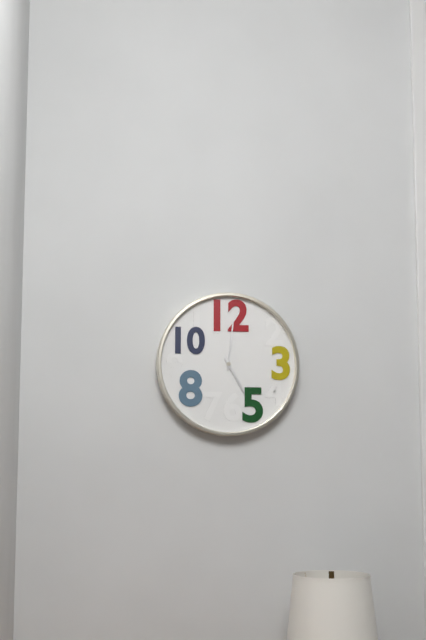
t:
5,01
